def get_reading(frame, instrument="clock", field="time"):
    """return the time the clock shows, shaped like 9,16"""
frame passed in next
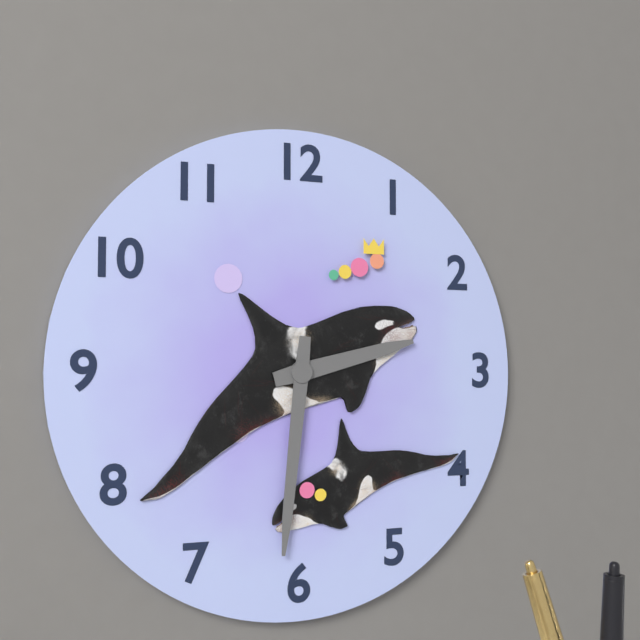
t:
2,31
